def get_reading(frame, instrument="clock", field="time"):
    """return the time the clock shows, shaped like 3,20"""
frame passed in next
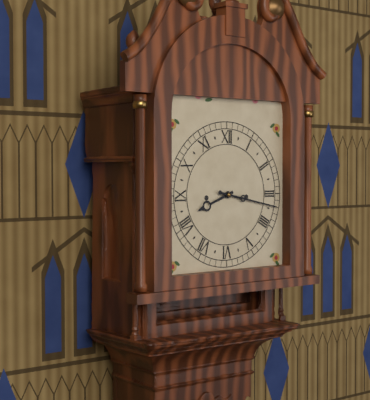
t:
8,17
